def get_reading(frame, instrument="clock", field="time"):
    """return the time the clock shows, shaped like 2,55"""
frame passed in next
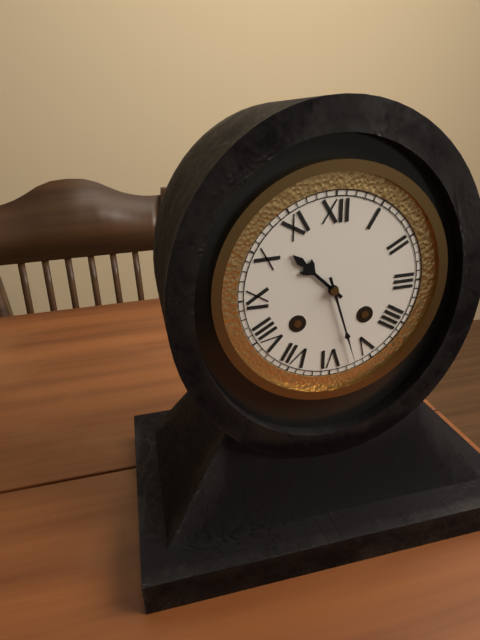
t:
10,27
